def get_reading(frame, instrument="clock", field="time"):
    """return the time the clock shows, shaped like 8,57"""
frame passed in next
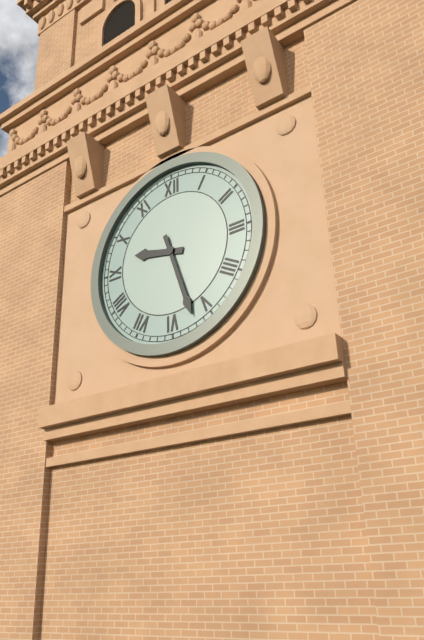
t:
9,27
